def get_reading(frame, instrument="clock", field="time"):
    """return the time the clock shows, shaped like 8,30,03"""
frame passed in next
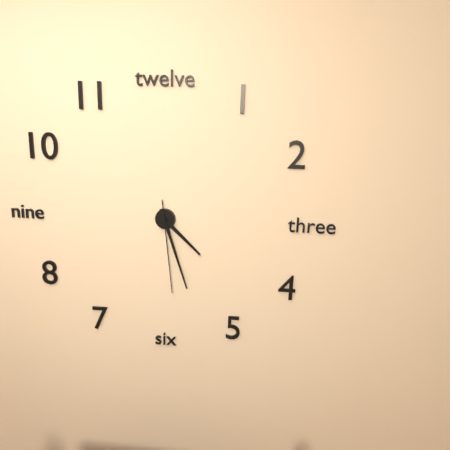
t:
4,27,29
